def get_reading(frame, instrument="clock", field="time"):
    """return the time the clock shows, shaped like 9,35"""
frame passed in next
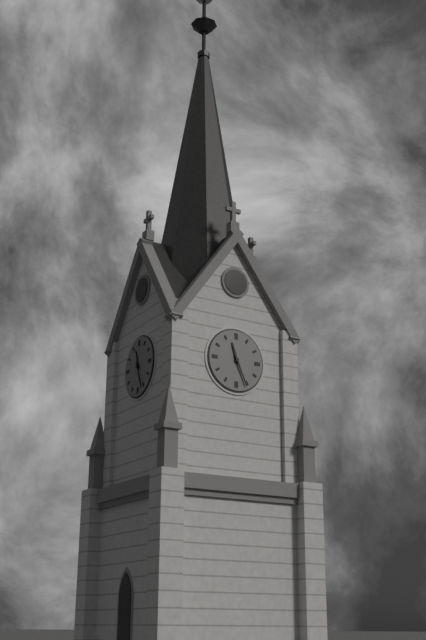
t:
11,26
